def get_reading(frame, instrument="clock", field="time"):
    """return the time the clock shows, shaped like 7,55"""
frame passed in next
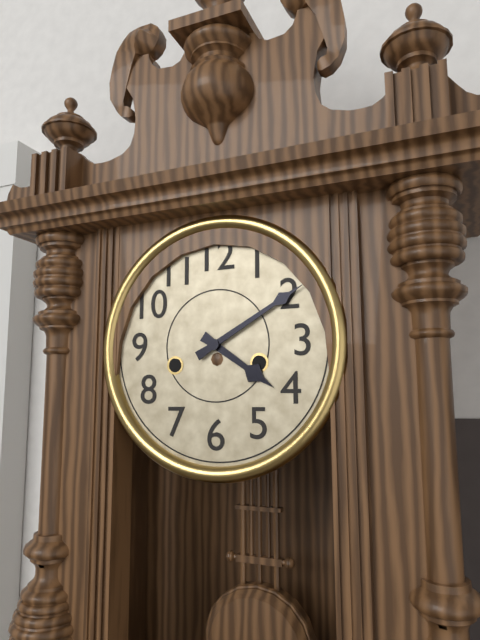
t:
4,10
